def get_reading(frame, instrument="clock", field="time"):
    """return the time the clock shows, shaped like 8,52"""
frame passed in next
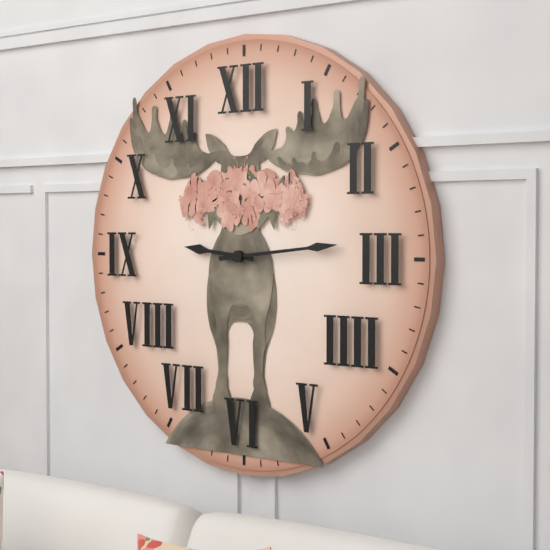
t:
9,14
